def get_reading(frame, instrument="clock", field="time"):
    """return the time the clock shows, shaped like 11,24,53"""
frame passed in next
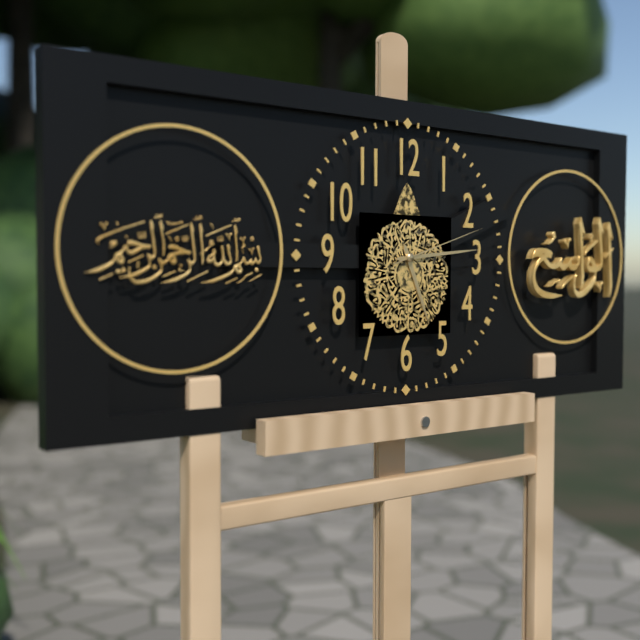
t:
5,14,12
